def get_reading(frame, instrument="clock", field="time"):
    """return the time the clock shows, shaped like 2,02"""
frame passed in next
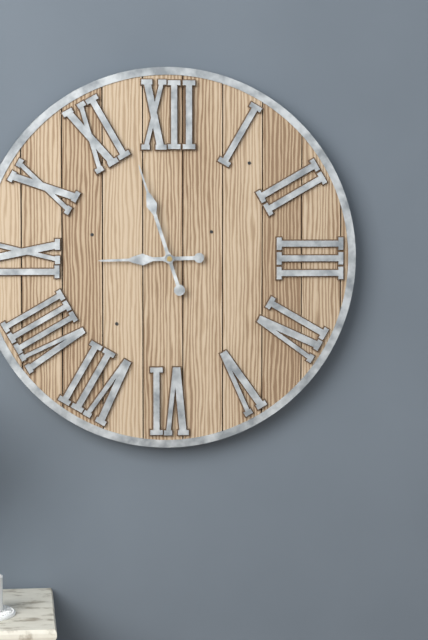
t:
8,57
